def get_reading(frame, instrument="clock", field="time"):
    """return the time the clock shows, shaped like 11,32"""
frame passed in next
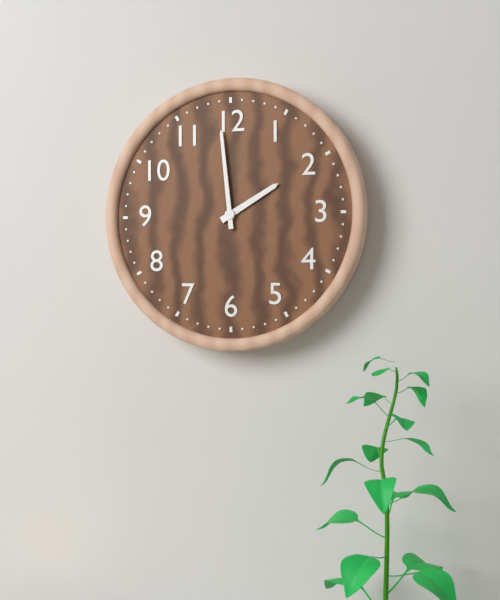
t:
1,59
